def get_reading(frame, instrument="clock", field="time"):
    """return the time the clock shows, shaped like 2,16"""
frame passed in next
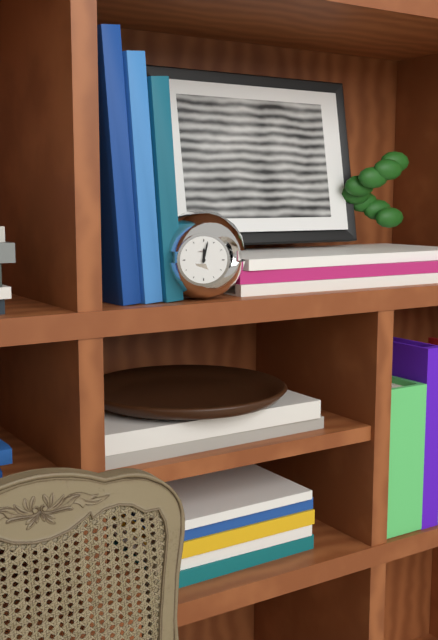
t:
12,02
